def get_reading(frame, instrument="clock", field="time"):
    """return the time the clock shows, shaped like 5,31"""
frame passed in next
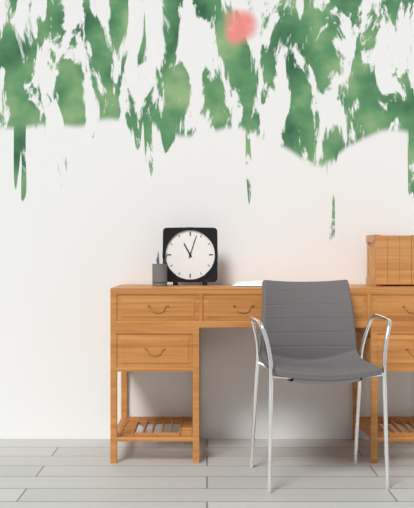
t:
11,03
